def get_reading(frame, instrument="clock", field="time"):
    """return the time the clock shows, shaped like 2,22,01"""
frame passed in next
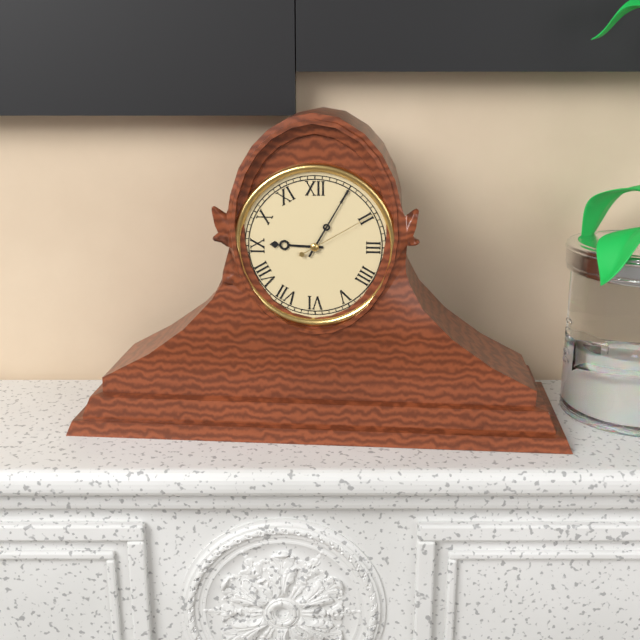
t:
9,05,10
